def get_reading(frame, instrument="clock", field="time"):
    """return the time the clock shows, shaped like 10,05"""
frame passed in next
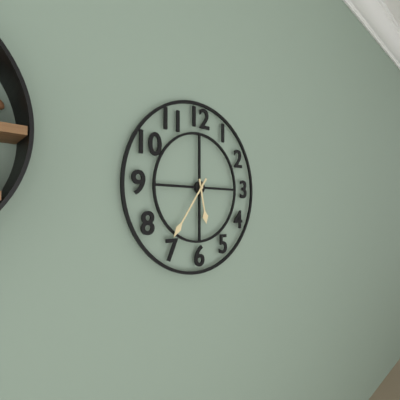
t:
5,36
